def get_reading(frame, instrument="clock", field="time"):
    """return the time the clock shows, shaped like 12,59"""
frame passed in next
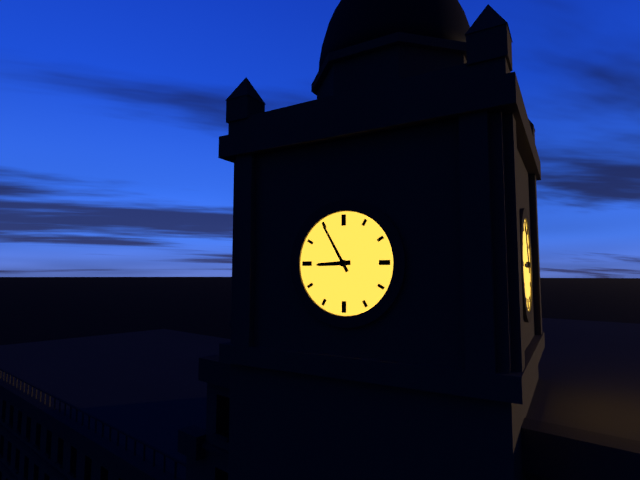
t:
8,55
